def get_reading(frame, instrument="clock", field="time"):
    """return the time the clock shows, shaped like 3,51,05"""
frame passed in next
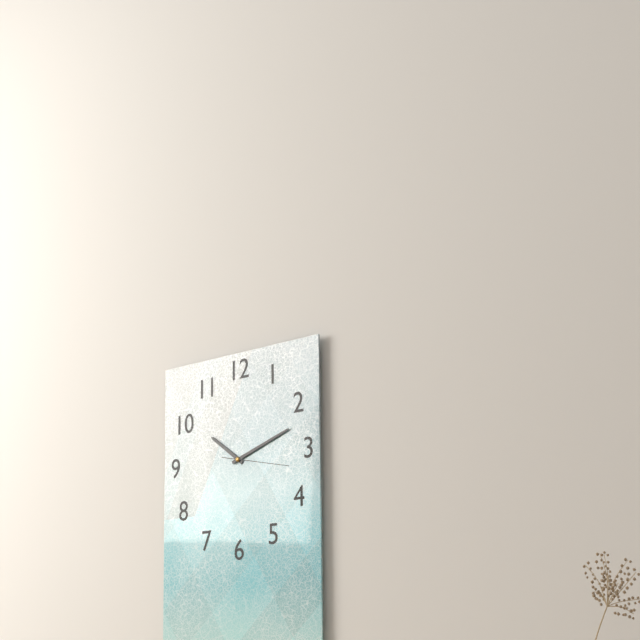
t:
10,12,17
